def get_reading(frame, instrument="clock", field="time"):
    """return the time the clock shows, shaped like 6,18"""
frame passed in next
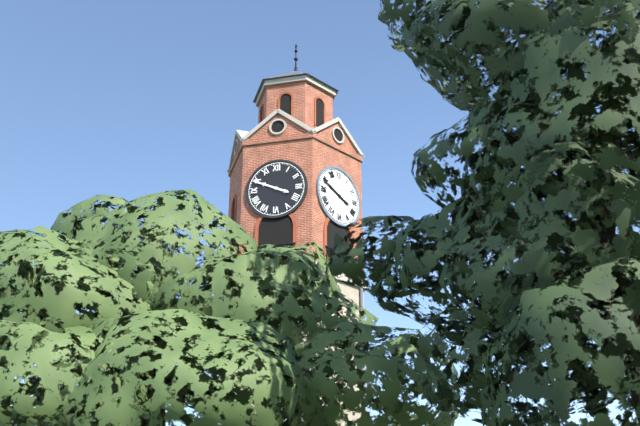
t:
9,49
